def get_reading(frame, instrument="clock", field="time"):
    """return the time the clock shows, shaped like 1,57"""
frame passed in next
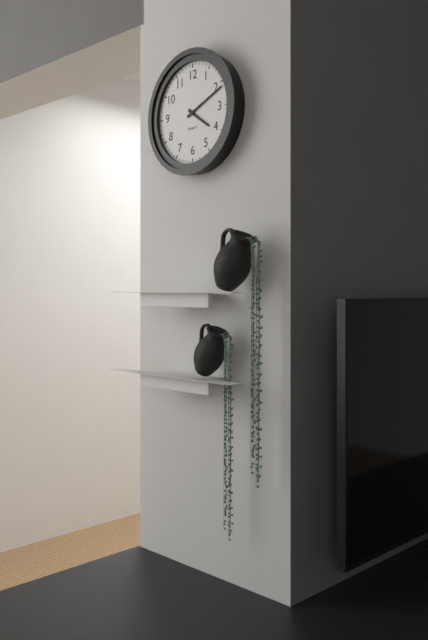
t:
4,11
